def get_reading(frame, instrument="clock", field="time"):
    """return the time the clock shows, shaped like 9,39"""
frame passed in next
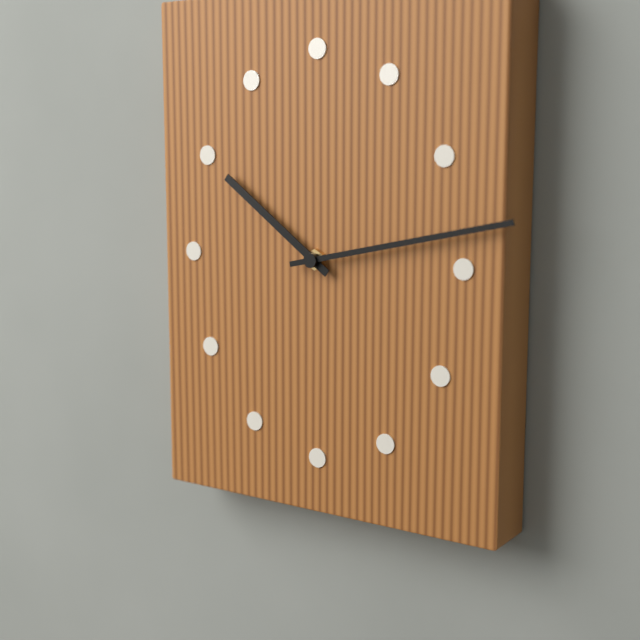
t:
10,13
